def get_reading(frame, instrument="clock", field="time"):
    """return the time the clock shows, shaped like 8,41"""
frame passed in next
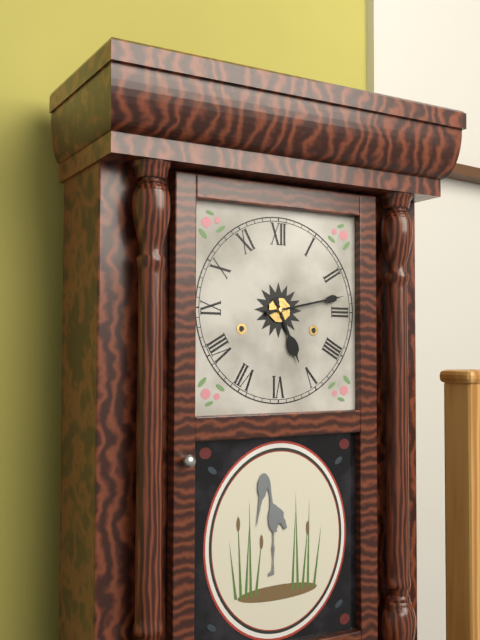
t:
5,13
